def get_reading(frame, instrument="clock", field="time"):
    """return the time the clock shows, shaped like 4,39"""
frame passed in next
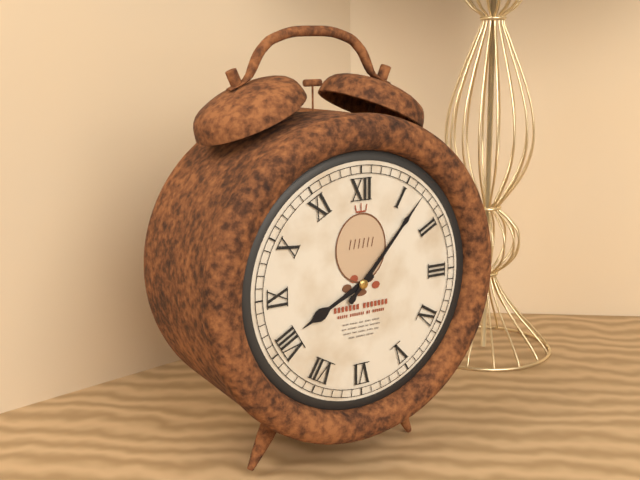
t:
8,07
